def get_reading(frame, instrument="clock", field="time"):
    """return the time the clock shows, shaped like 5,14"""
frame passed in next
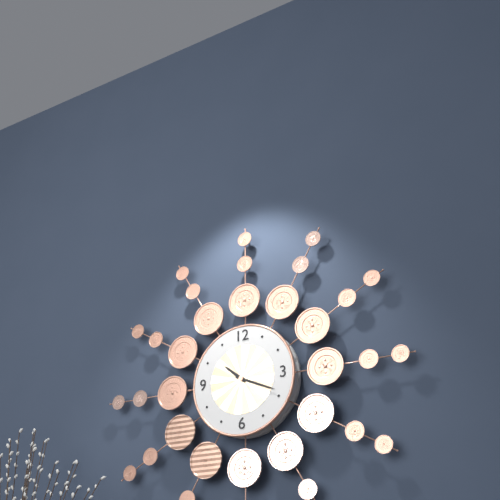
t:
10,19
